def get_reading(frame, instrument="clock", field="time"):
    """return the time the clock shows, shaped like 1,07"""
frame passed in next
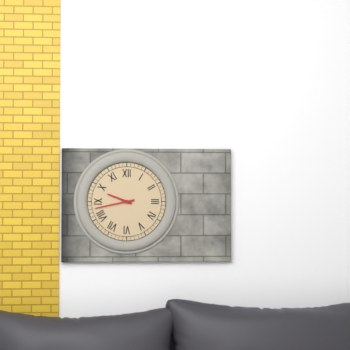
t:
9,43
